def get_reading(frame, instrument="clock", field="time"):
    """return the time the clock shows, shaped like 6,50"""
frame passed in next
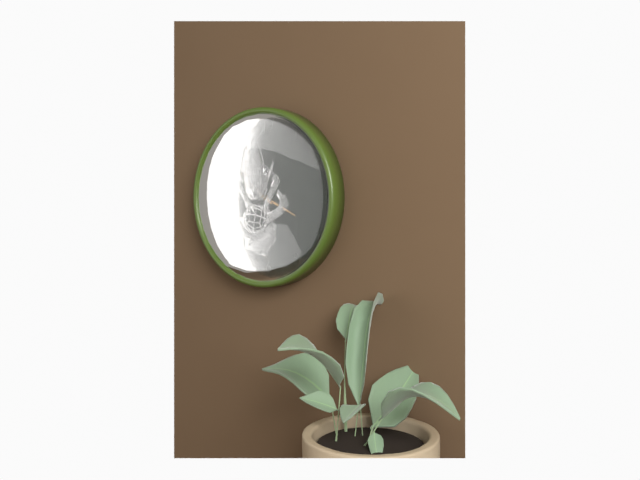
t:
3,51
